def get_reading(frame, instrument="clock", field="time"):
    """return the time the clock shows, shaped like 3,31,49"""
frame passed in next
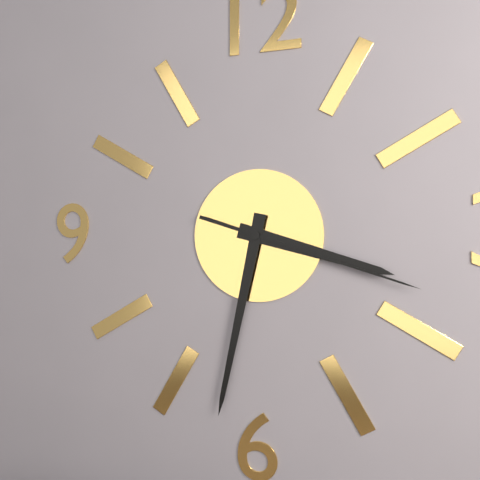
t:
3,32,18
